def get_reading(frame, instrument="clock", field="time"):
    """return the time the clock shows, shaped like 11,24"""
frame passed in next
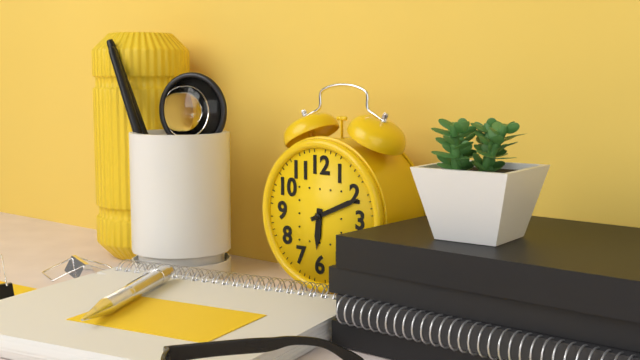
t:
6,11
